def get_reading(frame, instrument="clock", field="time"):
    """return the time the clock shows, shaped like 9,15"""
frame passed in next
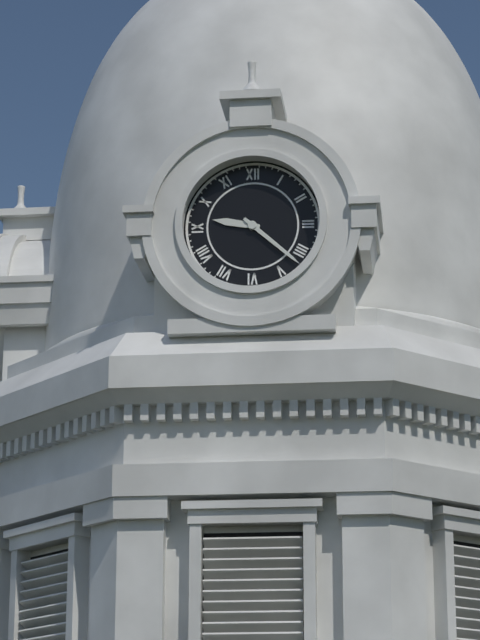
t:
9,22
